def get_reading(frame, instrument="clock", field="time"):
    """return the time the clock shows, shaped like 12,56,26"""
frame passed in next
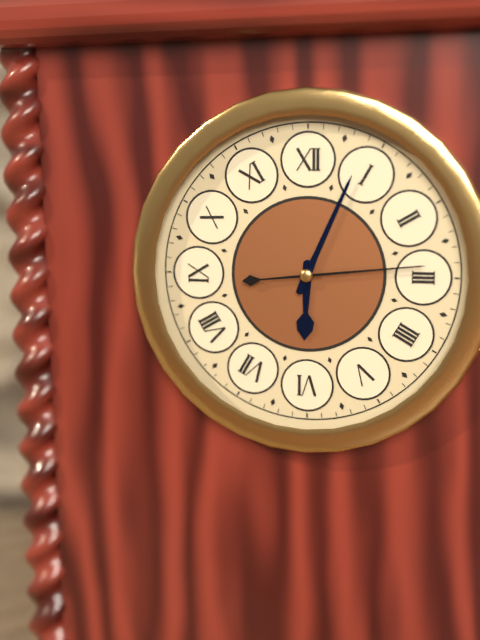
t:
6,04,14
